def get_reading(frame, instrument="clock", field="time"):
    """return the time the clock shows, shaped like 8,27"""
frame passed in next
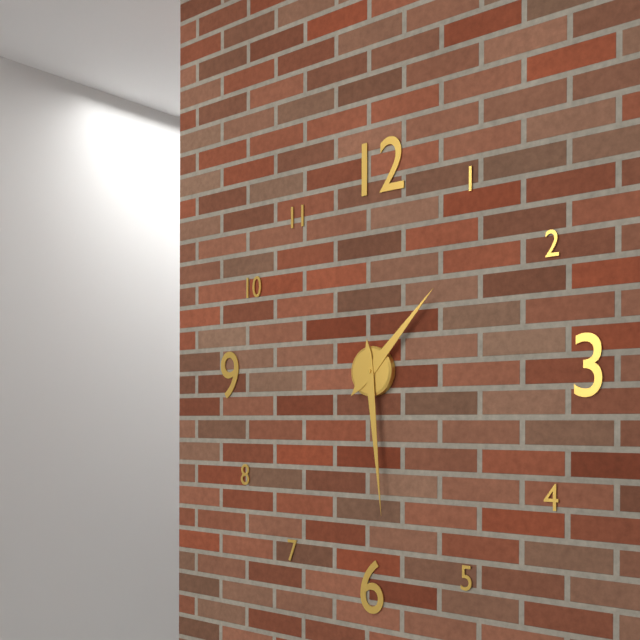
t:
1,29
